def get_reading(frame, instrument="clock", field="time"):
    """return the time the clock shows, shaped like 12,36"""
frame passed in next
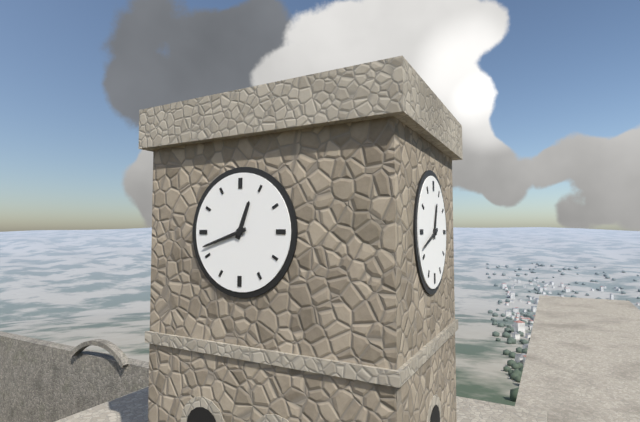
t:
12,42
